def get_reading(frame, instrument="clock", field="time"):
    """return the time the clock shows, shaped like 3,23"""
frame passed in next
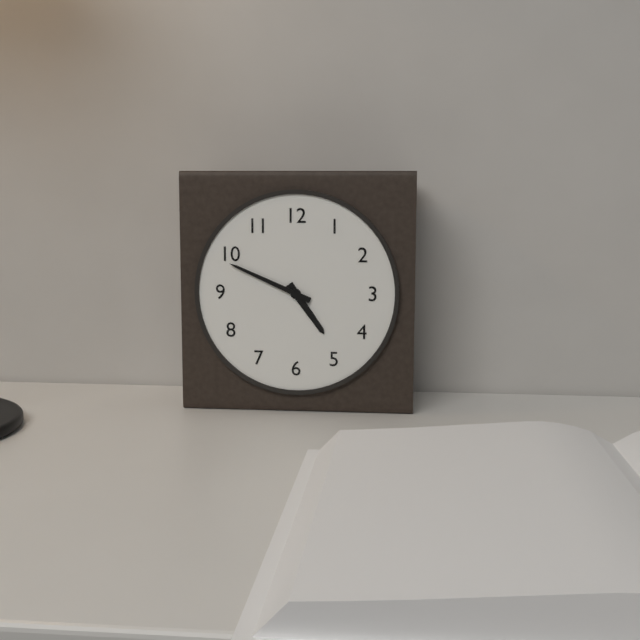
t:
4,49
